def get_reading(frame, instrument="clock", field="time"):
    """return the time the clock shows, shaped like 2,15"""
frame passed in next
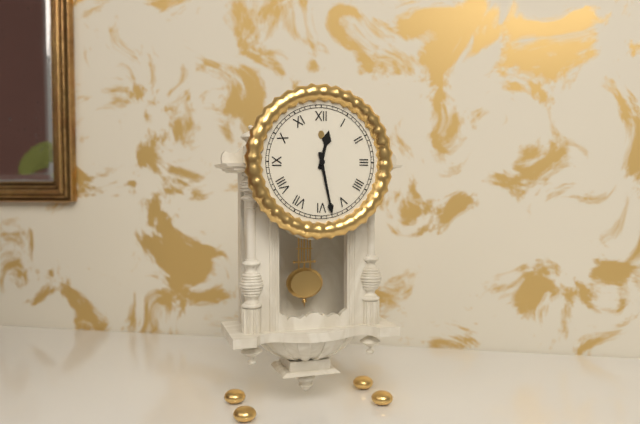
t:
12,28
